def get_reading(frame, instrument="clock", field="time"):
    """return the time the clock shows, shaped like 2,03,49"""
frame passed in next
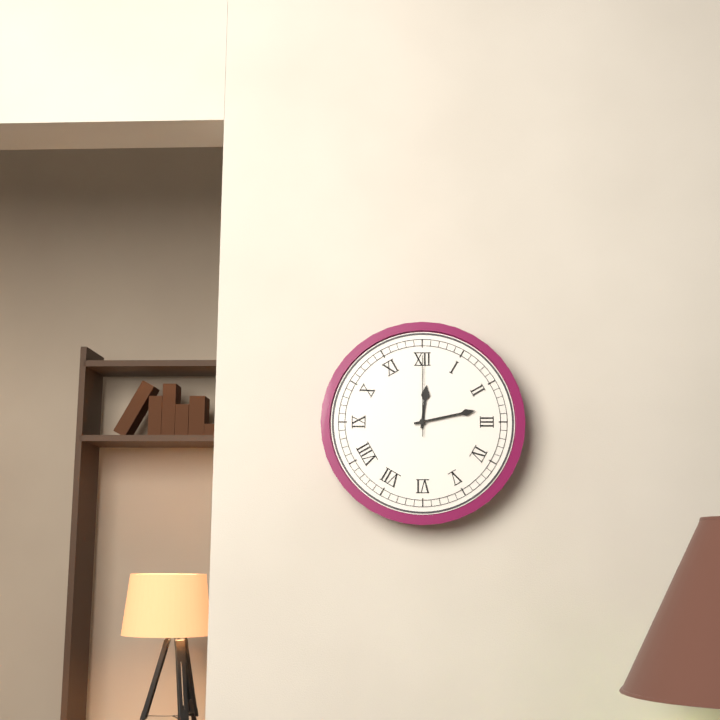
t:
12,13,00
